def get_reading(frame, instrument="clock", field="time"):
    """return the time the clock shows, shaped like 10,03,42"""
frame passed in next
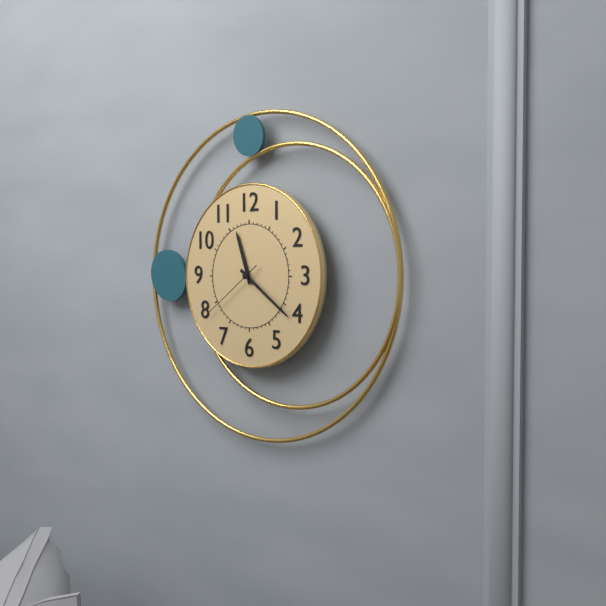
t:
11,21,39
